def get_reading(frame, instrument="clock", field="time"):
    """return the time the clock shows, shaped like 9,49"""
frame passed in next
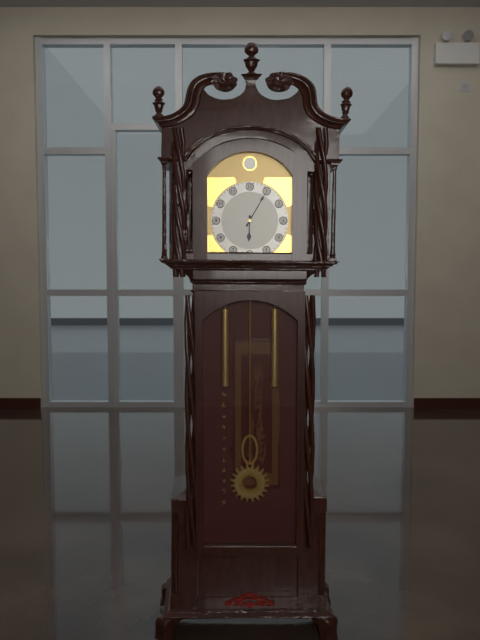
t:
6,05
